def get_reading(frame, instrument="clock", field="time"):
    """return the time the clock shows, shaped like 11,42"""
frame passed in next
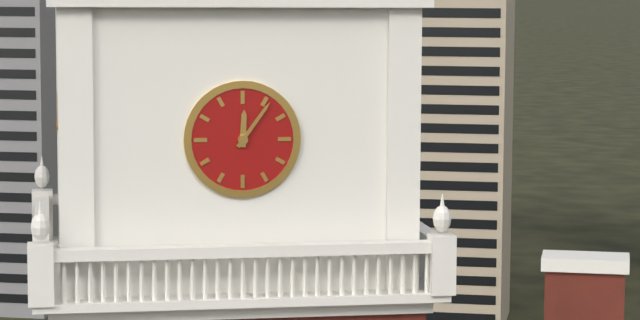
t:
12,06
